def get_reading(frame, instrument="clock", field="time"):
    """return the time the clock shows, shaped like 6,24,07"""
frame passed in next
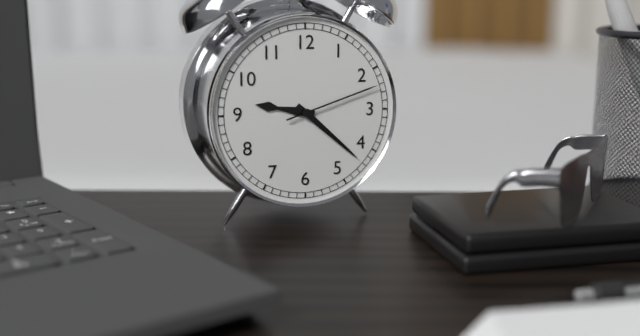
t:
9,22,12
